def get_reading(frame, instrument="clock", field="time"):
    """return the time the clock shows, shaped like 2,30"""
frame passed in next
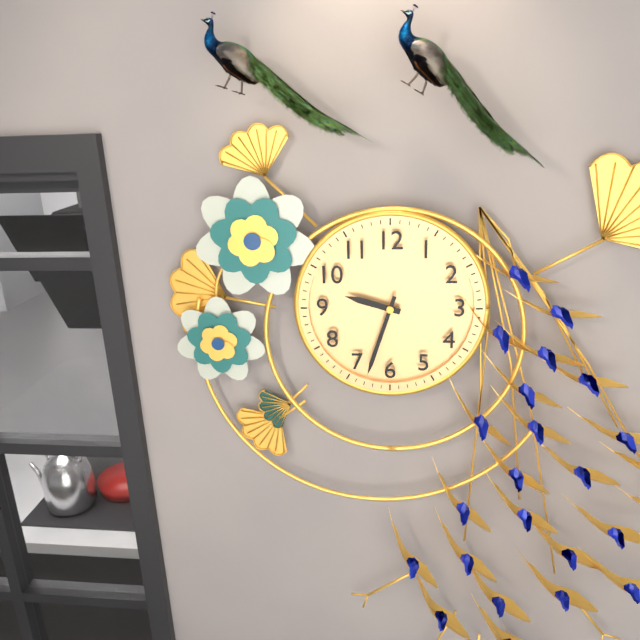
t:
9,33
